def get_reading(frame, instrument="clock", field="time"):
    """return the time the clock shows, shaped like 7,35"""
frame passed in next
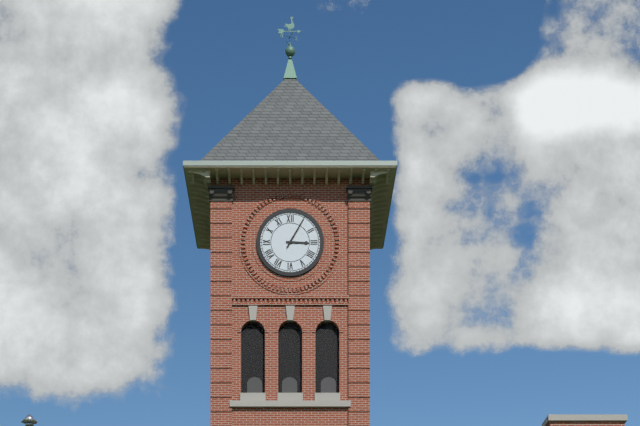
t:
3,05
